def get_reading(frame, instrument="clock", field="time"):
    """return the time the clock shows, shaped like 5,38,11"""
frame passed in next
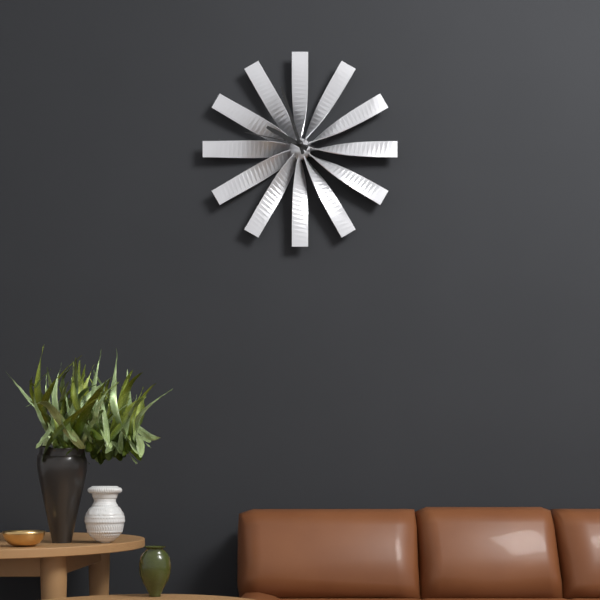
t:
9,57,47
